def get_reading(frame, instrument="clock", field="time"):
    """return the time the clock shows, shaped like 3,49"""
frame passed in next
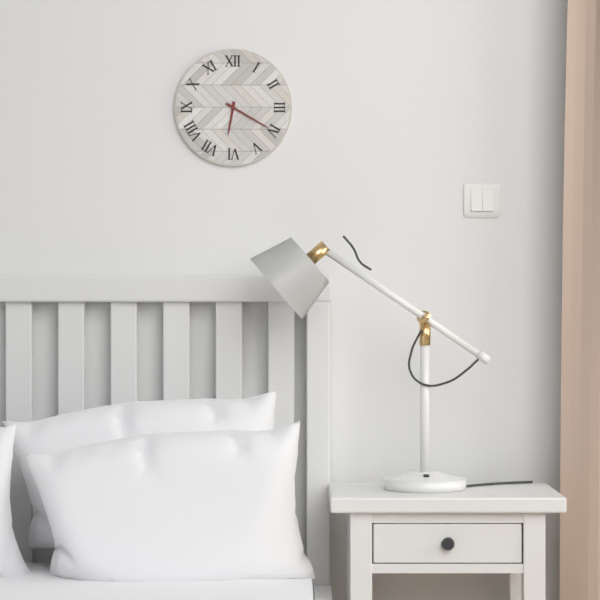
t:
6,20
